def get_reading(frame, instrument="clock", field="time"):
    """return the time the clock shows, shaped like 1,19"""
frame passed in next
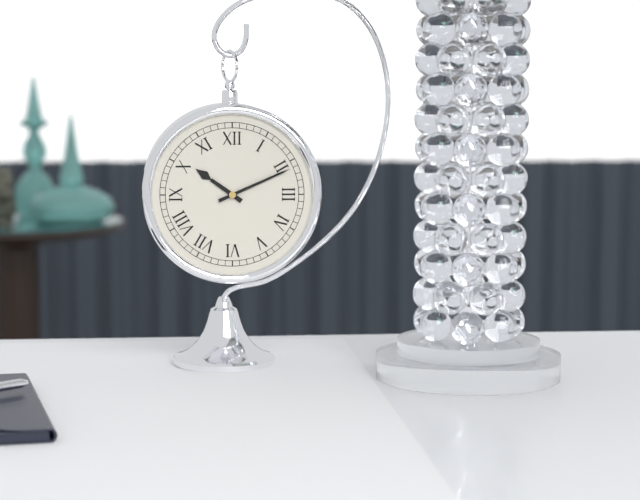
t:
10,11
